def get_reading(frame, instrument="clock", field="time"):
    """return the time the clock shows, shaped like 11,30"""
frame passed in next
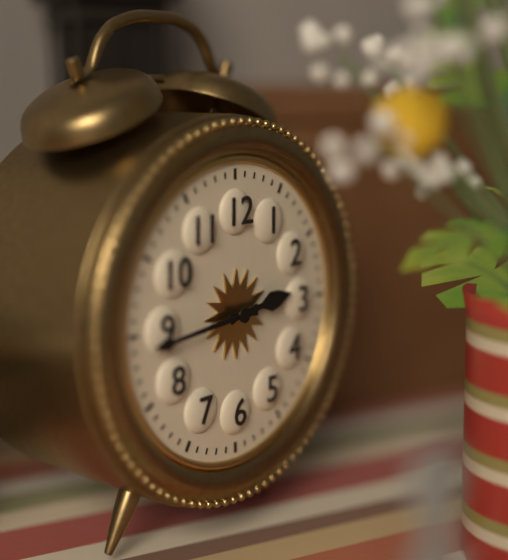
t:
2,44
